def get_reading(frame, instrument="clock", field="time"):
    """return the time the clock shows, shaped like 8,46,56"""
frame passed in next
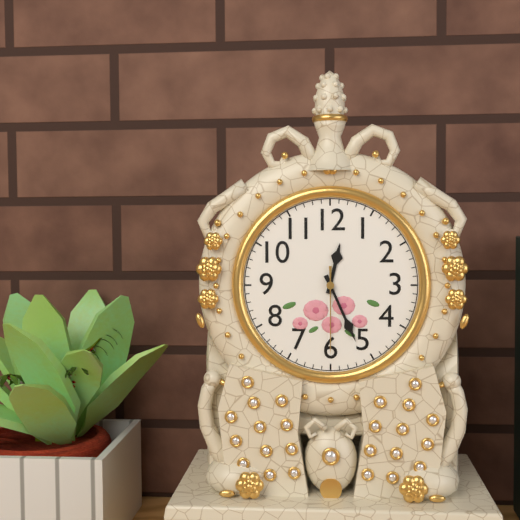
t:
12,26,30
